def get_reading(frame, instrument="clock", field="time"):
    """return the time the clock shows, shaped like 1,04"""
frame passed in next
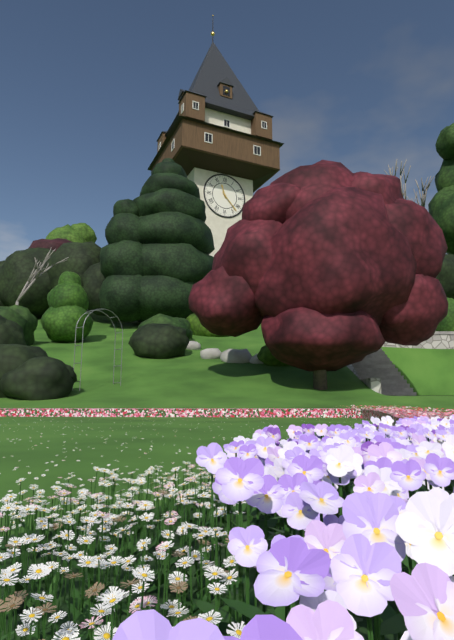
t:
11,23
